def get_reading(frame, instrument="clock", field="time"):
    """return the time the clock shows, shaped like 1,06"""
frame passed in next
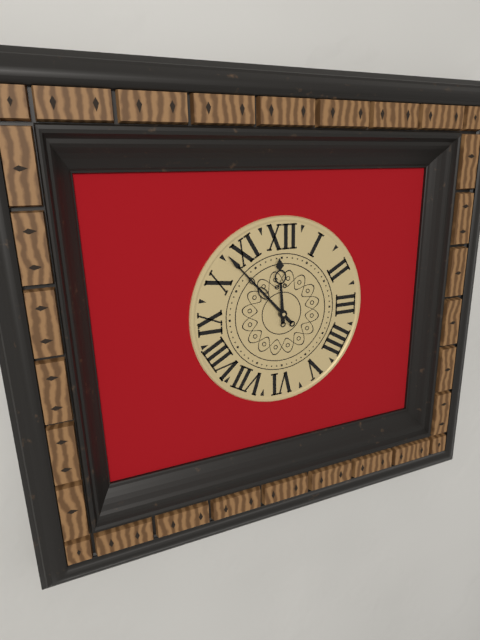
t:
11,53
